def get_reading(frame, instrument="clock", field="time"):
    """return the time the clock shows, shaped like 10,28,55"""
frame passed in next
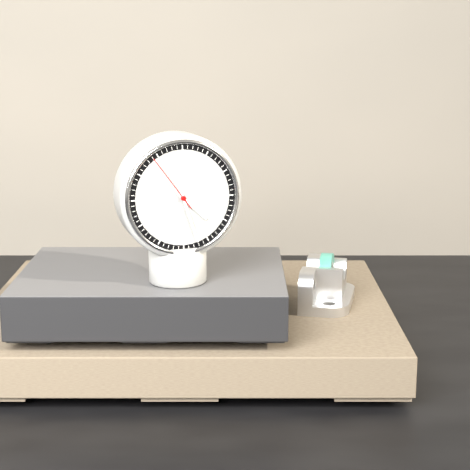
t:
4,27,54
